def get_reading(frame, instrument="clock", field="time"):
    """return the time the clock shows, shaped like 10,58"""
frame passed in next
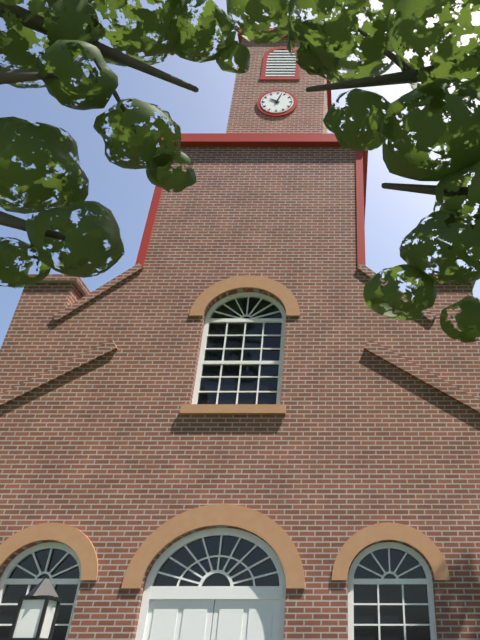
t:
10,03
